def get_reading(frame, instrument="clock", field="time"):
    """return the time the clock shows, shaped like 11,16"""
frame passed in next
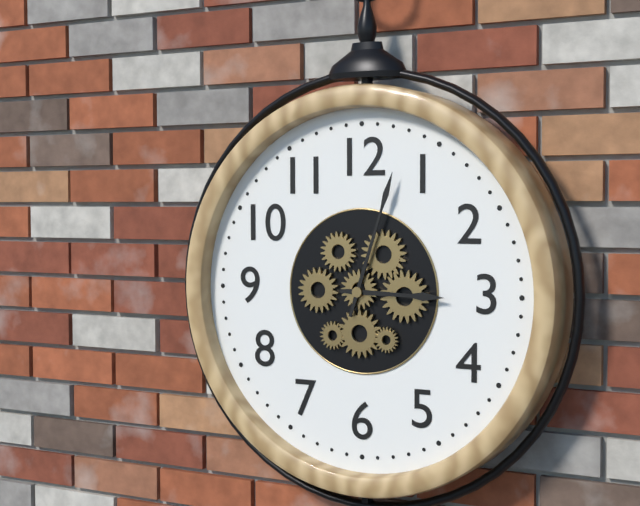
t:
3,03
